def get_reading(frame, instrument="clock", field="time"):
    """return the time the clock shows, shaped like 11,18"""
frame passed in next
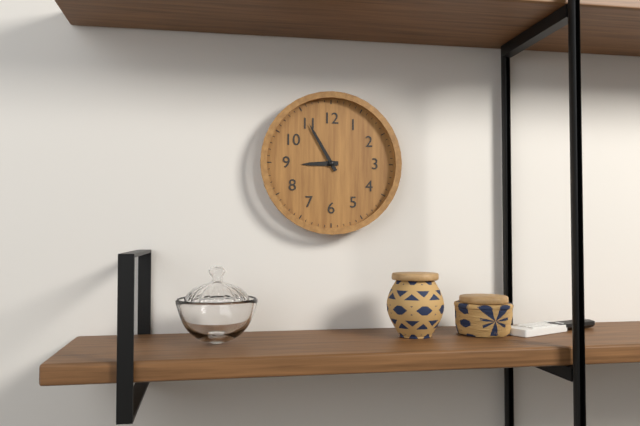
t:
8,55
